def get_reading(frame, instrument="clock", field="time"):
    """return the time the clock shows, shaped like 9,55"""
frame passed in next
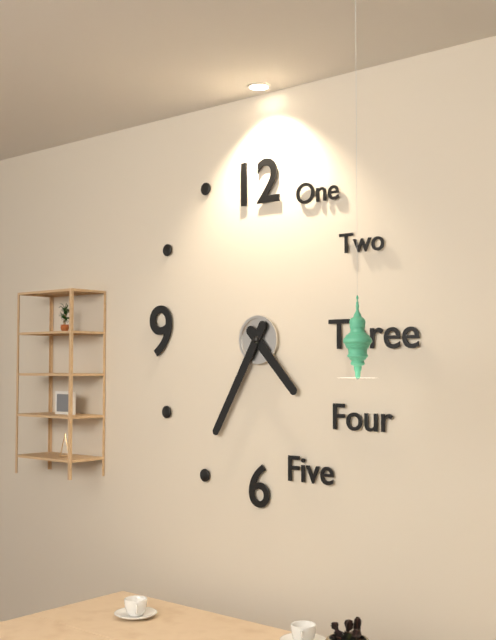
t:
4,35
